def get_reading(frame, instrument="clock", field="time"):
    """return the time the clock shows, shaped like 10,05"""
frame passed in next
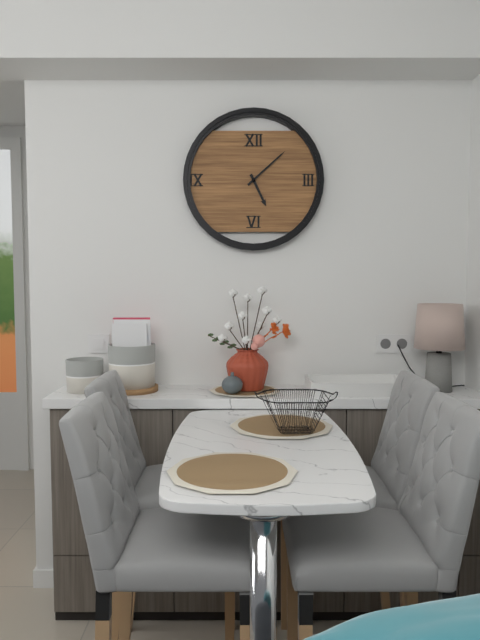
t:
5,08
